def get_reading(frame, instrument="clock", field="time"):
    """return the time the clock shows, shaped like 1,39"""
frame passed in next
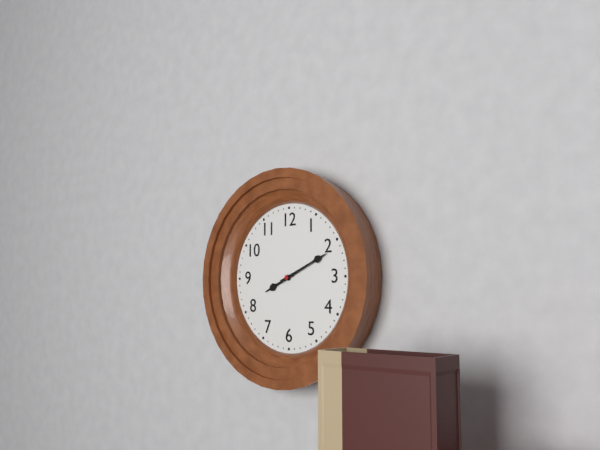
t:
8,11
